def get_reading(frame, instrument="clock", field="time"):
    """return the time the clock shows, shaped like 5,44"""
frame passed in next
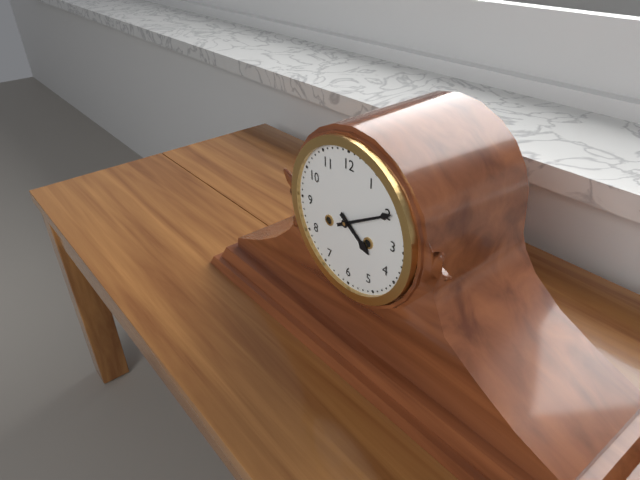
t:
4,10
